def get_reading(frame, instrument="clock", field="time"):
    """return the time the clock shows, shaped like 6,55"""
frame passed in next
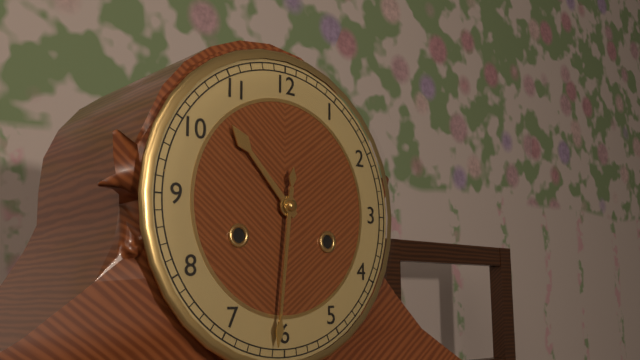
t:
10,31
